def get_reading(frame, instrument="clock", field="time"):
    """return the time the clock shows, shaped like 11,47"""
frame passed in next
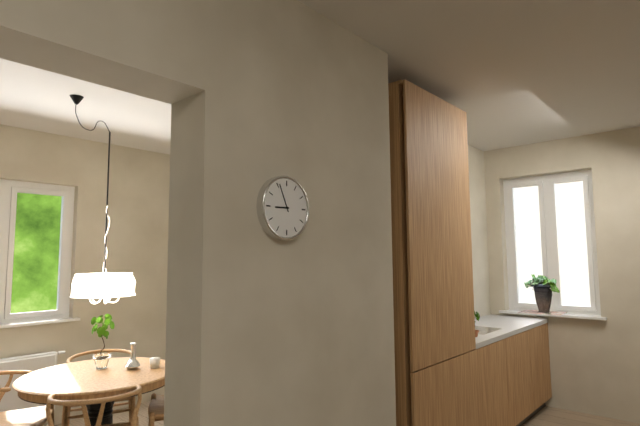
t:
8,56
